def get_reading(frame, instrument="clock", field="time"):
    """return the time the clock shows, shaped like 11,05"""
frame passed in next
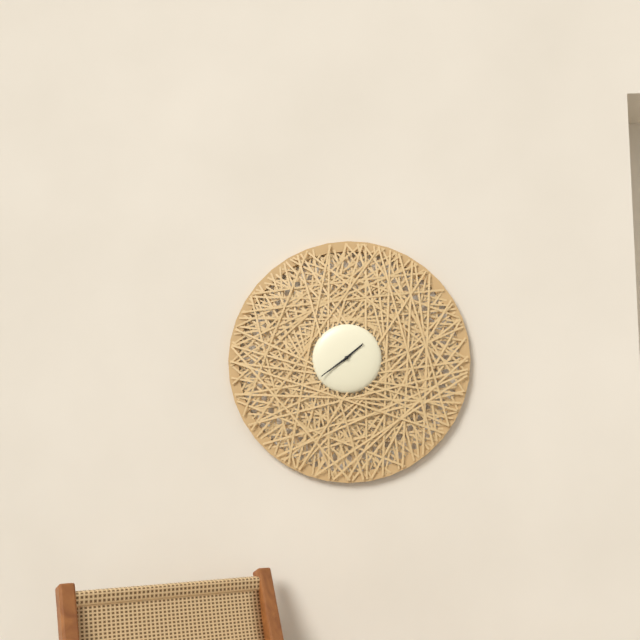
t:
1,39
